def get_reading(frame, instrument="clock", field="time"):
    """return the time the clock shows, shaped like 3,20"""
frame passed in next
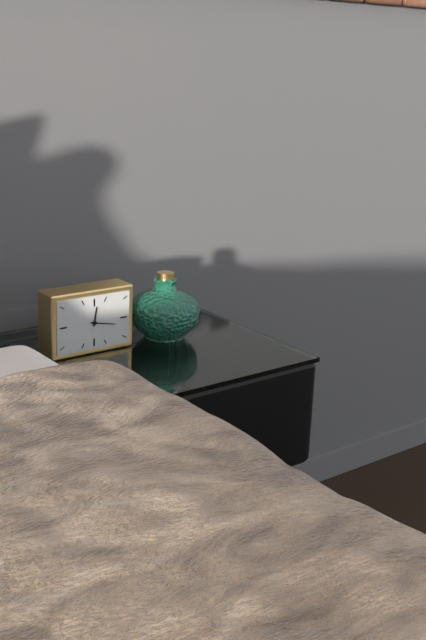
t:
12,17
